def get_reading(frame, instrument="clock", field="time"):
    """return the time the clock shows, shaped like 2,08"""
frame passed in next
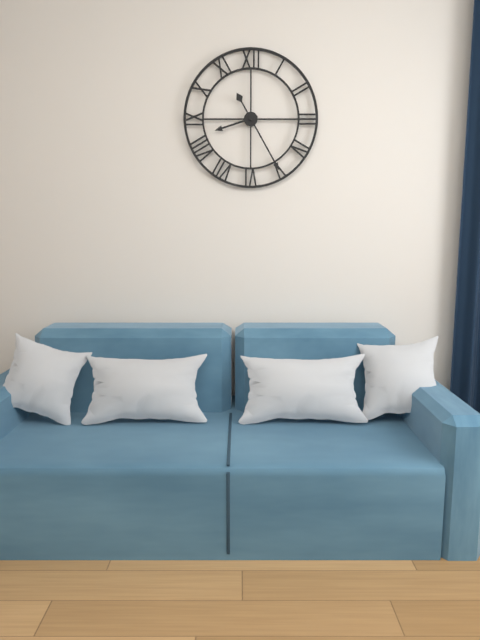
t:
8,25
